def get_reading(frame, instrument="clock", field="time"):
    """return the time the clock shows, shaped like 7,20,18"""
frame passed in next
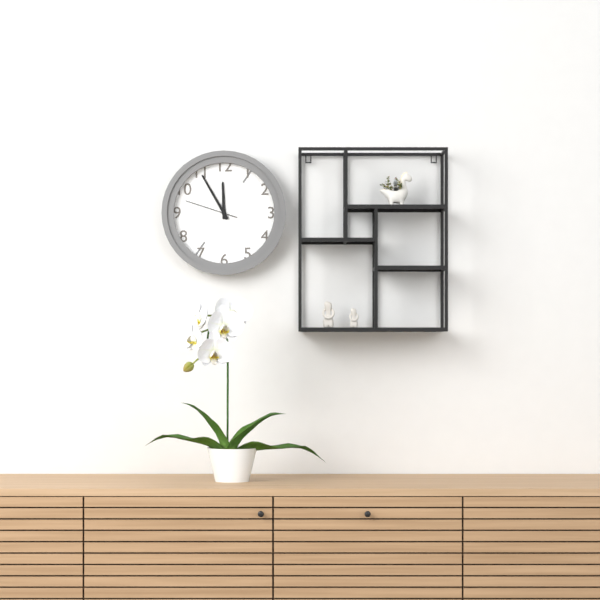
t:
11,55,48
